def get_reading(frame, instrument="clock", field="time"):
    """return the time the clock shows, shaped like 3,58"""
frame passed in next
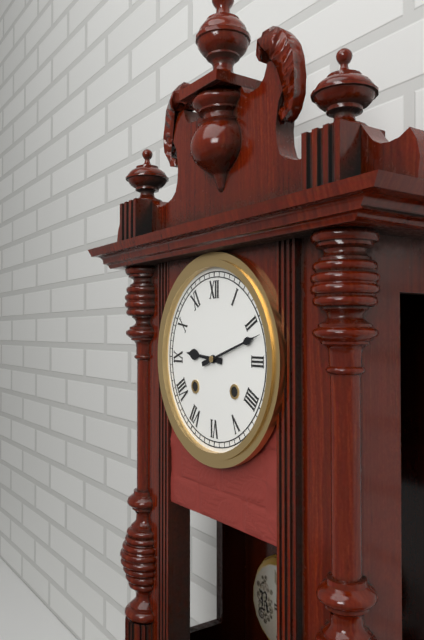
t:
9,12
